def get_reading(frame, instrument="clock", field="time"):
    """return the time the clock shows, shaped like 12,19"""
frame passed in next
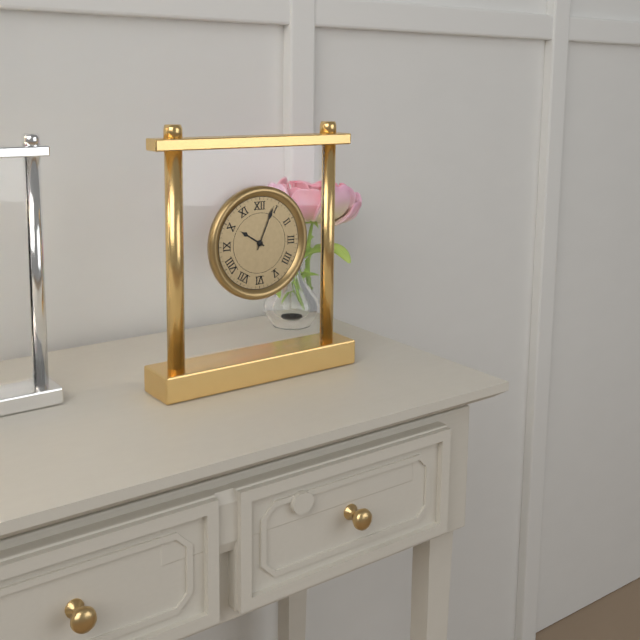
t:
10,04
